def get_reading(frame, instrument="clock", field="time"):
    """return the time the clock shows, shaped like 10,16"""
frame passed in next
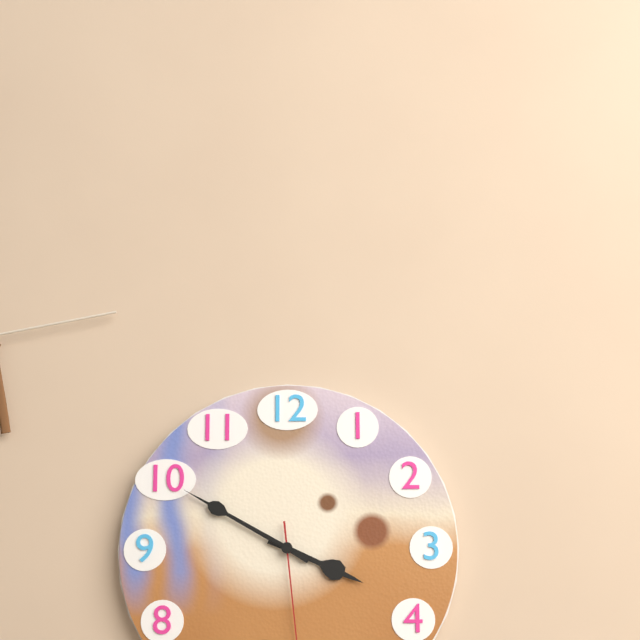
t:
3,50
